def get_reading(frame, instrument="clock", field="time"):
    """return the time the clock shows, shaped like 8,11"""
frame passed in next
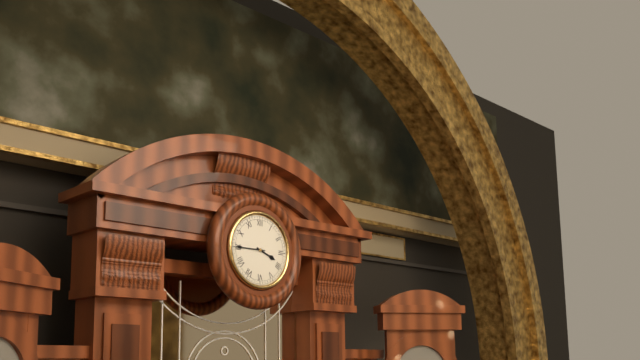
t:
3,45
